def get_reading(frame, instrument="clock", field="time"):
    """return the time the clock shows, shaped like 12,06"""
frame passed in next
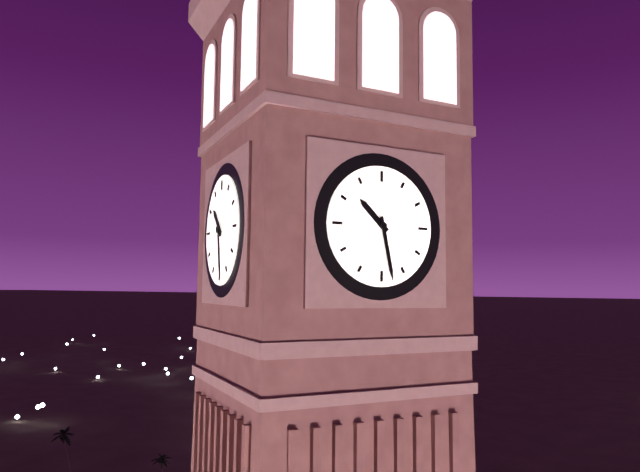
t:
10,28
